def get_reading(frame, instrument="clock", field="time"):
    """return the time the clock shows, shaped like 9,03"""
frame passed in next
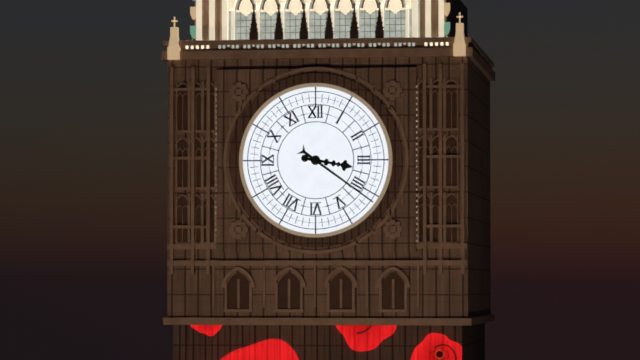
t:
3,21
